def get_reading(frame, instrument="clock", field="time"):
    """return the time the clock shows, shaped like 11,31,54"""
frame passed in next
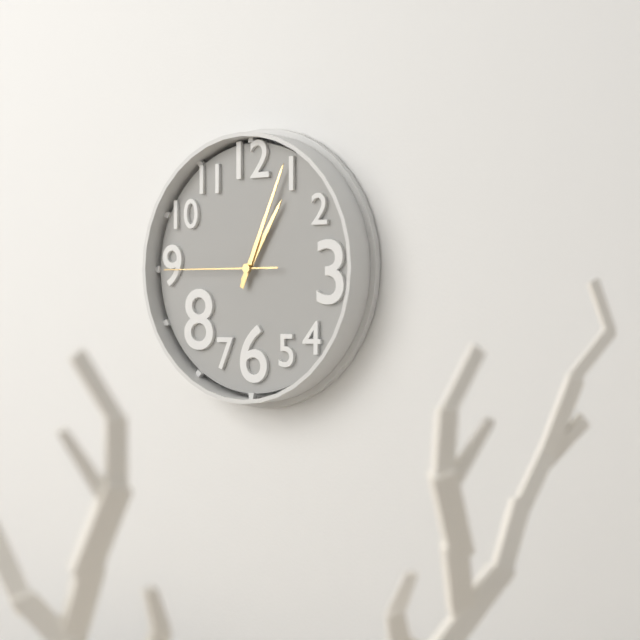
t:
1,04,45
